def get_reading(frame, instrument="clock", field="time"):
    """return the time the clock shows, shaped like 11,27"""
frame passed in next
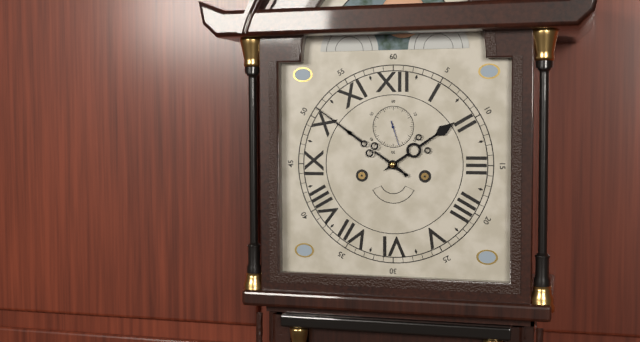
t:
1,51
